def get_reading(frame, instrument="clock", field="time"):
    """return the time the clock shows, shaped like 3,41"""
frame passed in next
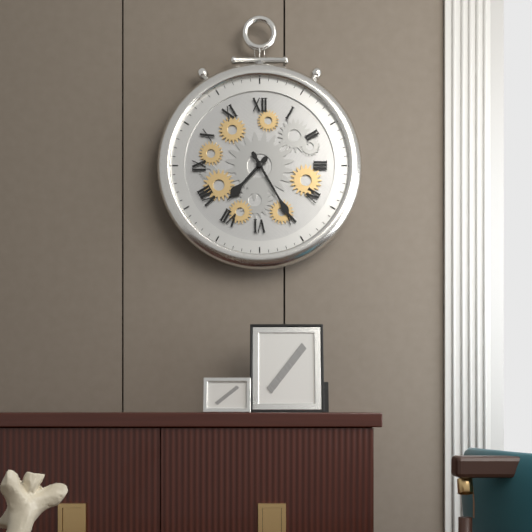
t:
7,25
